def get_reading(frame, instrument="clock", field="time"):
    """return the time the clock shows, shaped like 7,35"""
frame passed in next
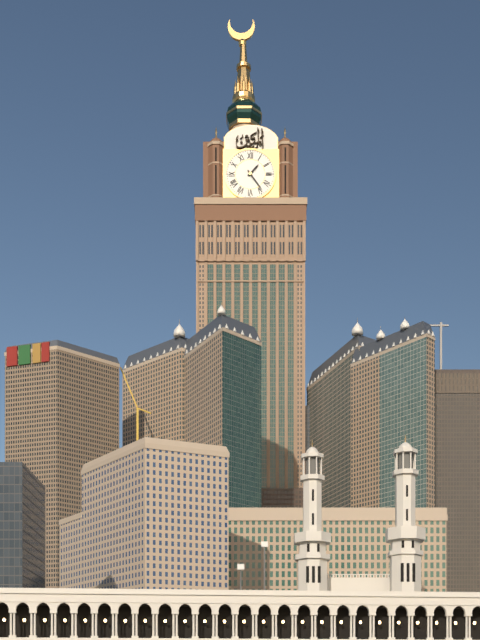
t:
1,24
